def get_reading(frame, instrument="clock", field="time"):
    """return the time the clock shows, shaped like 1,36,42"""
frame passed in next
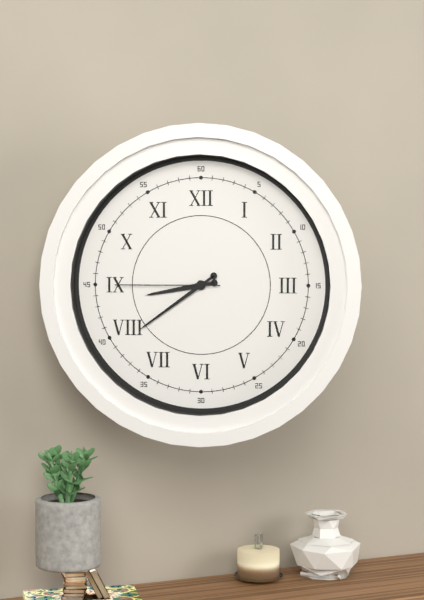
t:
8,39,45
